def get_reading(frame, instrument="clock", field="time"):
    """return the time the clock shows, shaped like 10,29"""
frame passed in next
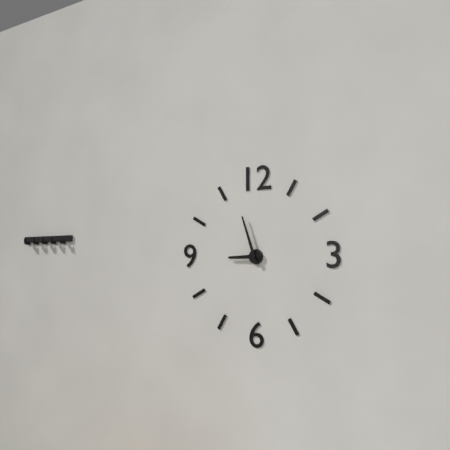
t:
8,57
